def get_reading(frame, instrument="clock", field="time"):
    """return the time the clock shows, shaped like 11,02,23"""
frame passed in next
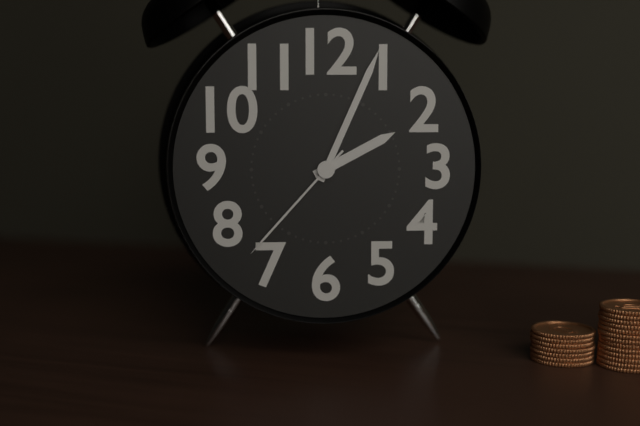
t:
2,04,37
